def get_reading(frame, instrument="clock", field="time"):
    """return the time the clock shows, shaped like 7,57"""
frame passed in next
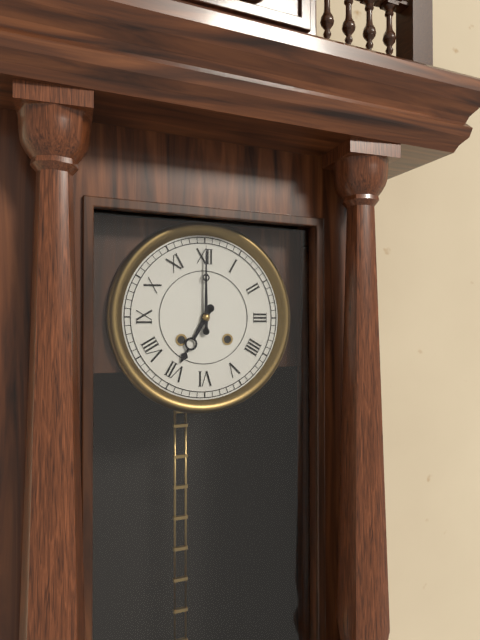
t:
7,00
